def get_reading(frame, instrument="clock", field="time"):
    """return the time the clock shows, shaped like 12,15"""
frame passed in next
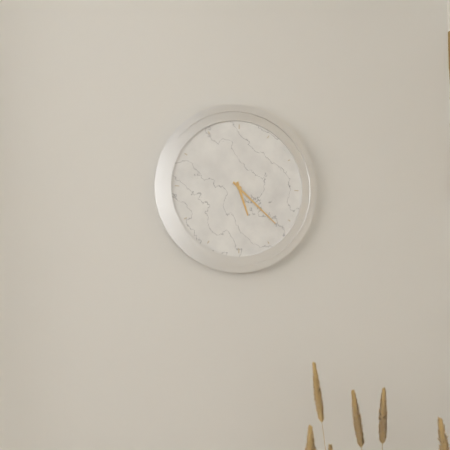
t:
5,22
